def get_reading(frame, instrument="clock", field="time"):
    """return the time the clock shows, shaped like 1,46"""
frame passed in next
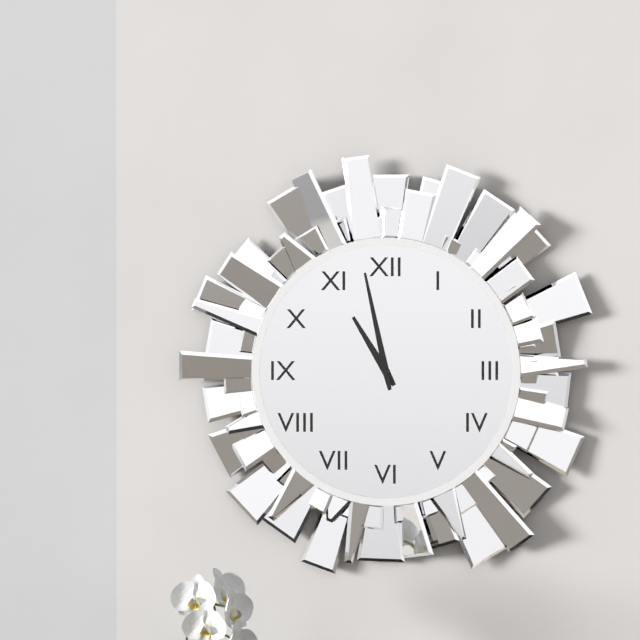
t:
10,58
